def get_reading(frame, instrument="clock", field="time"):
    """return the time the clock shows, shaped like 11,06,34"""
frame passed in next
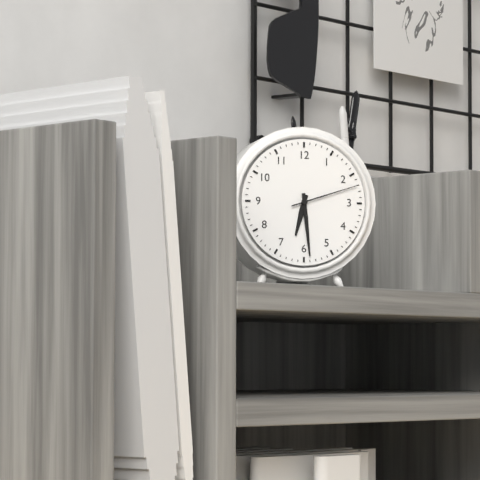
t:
6,29,12
